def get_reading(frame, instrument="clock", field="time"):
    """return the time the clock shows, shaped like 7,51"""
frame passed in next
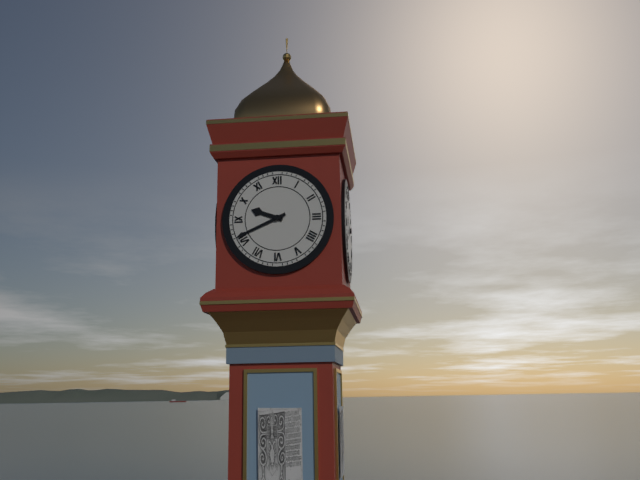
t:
9,41
